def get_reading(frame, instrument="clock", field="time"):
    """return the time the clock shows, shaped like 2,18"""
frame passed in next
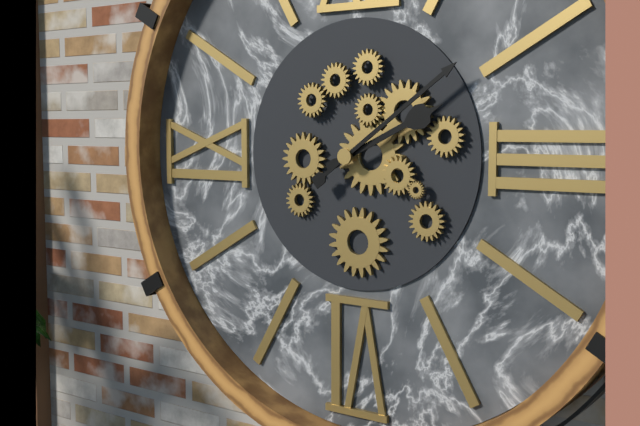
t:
2,09
